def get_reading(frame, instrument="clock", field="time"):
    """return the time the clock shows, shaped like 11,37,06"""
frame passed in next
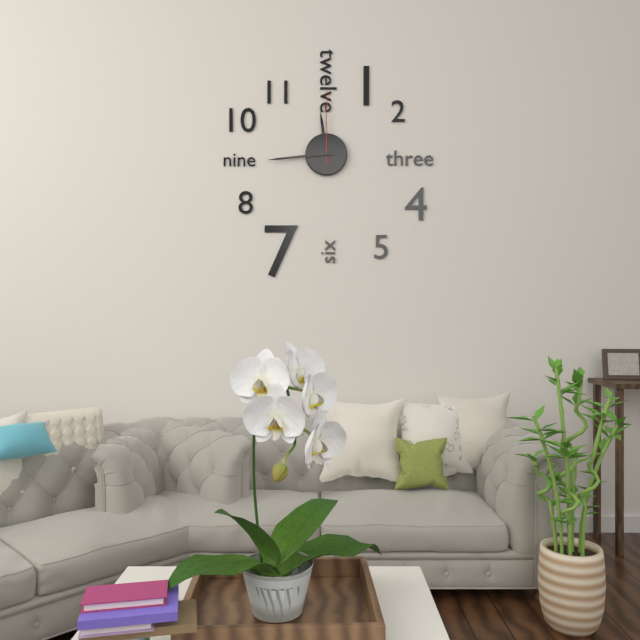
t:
11,44,00
